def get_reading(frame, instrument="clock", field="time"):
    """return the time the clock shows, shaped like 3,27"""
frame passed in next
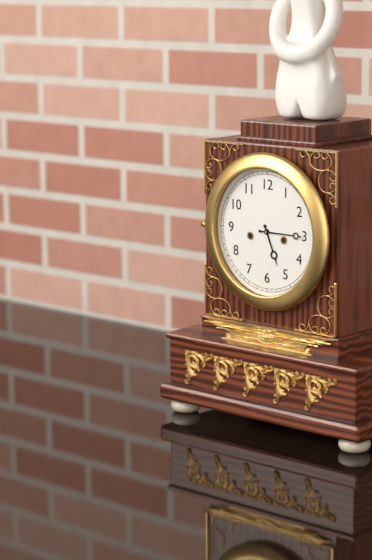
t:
5,15
